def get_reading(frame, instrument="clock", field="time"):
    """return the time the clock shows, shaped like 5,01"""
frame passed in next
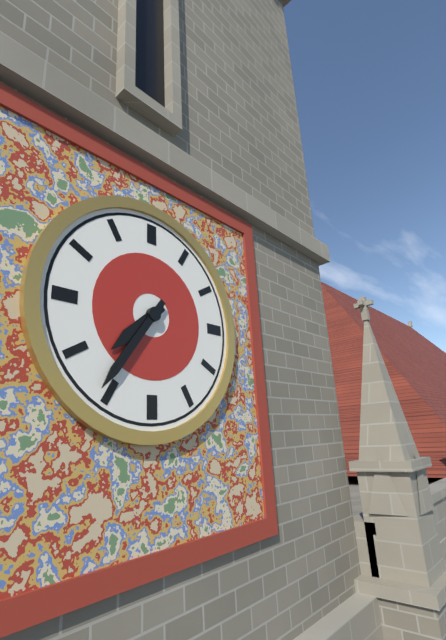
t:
7,36
